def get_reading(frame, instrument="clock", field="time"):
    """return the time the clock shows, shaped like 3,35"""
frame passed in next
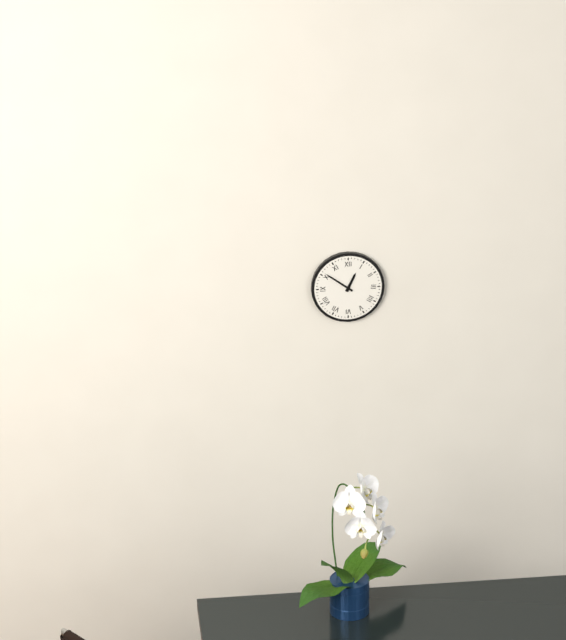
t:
12,51
